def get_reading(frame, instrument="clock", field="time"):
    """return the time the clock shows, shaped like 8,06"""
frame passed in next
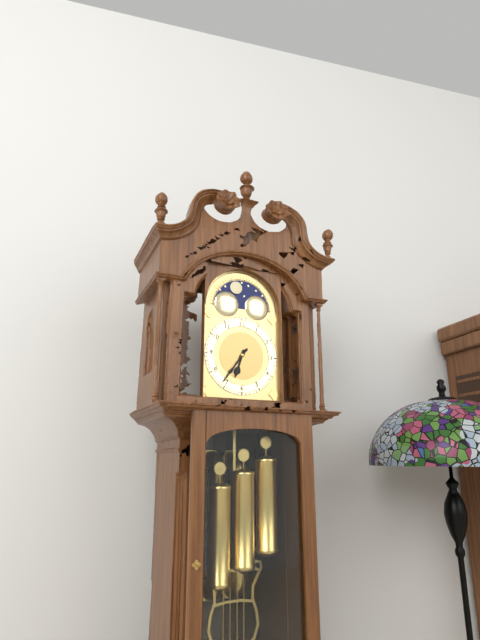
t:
6,36
